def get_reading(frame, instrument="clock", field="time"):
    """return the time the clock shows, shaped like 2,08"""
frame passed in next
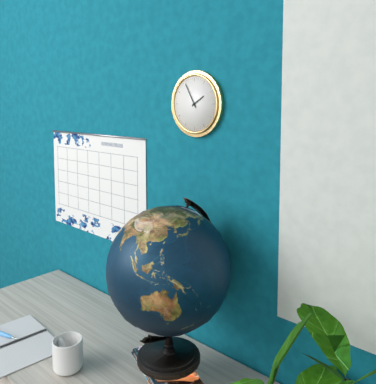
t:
1,55
